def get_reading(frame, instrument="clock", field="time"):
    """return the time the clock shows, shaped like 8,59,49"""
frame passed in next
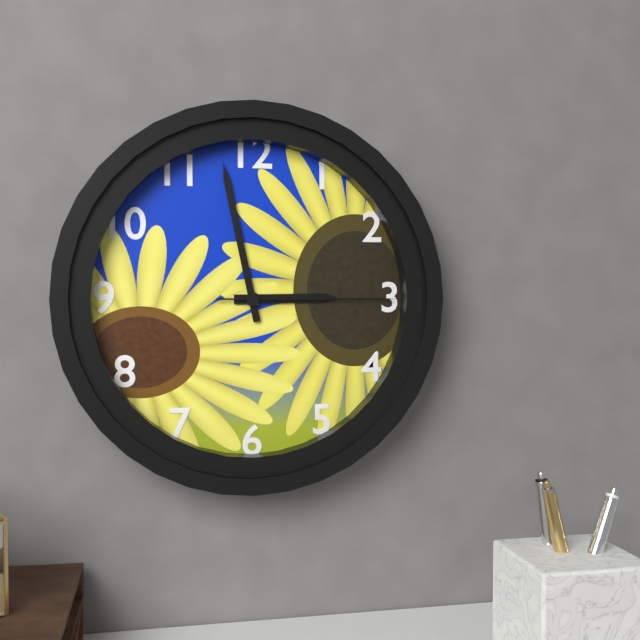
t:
2,58,15
